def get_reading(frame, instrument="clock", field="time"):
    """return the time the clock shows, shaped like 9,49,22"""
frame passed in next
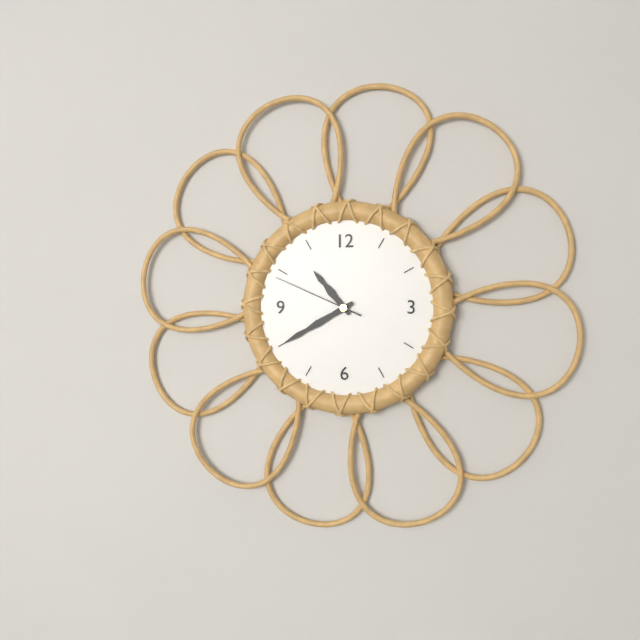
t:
10,40,49
